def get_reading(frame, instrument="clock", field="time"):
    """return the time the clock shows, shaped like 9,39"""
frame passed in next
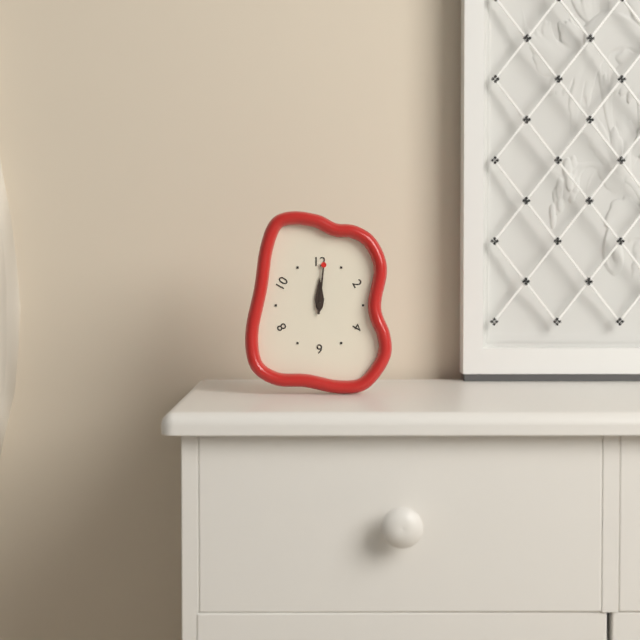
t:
12,01
